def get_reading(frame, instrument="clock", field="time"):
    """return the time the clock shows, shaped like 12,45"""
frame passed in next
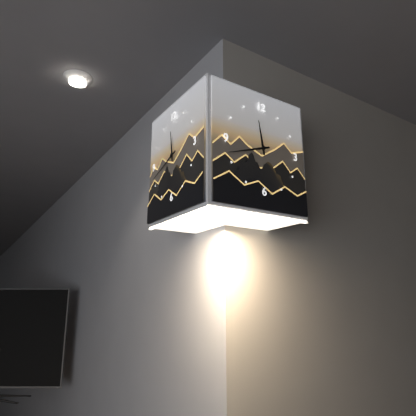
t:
11,42
